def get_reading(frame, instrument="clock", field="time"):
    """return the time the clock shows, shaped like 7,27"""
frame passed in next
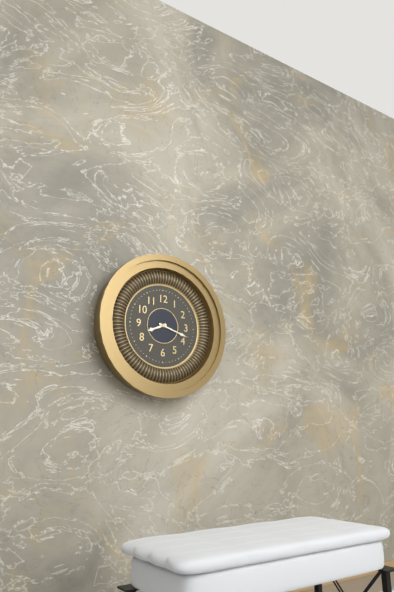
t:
8,18
